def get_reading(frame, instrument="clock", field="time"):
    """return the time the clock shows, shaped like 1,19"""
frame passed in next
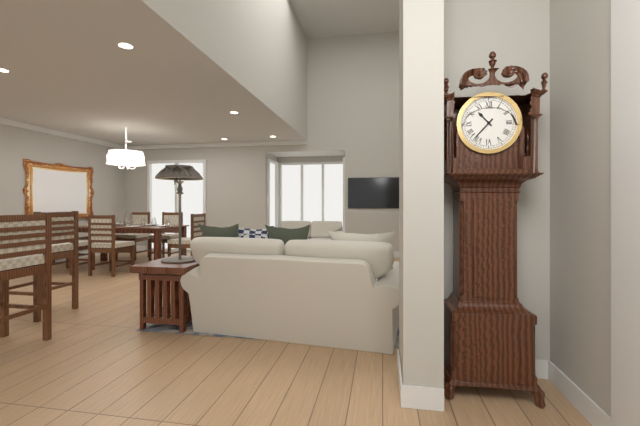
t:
10,37
